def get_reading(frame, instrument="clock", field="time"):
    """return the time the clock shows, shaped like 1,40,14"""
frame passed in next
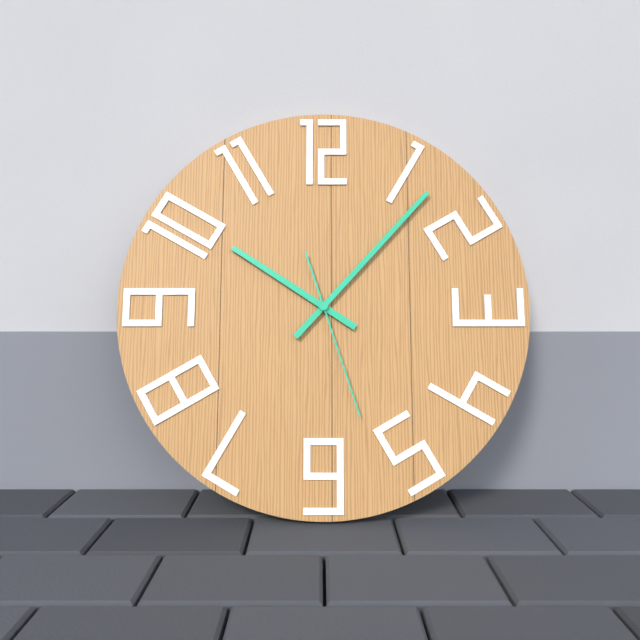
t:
10,07,27
